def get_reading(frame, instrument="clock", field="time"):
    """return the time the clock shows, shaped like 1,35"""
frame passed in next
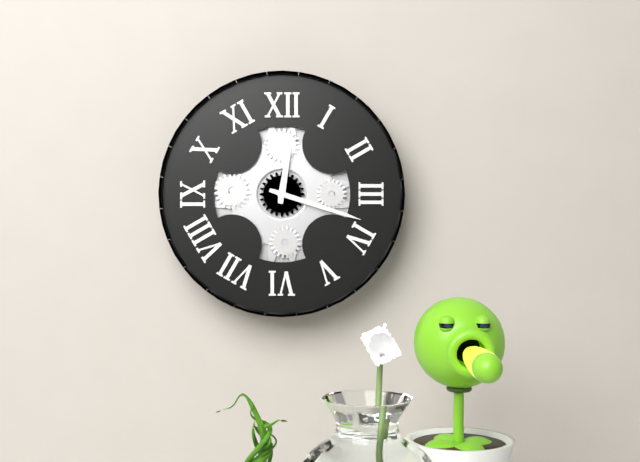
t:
12,18
